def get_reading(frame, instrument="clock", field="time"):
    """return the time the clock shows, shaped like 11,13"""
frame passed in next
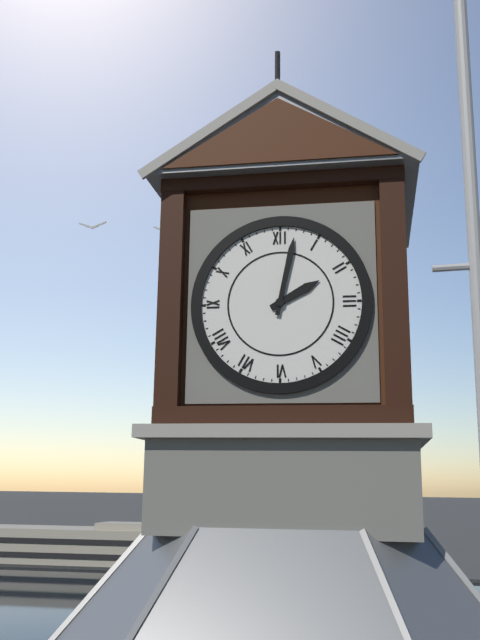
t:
2,02
